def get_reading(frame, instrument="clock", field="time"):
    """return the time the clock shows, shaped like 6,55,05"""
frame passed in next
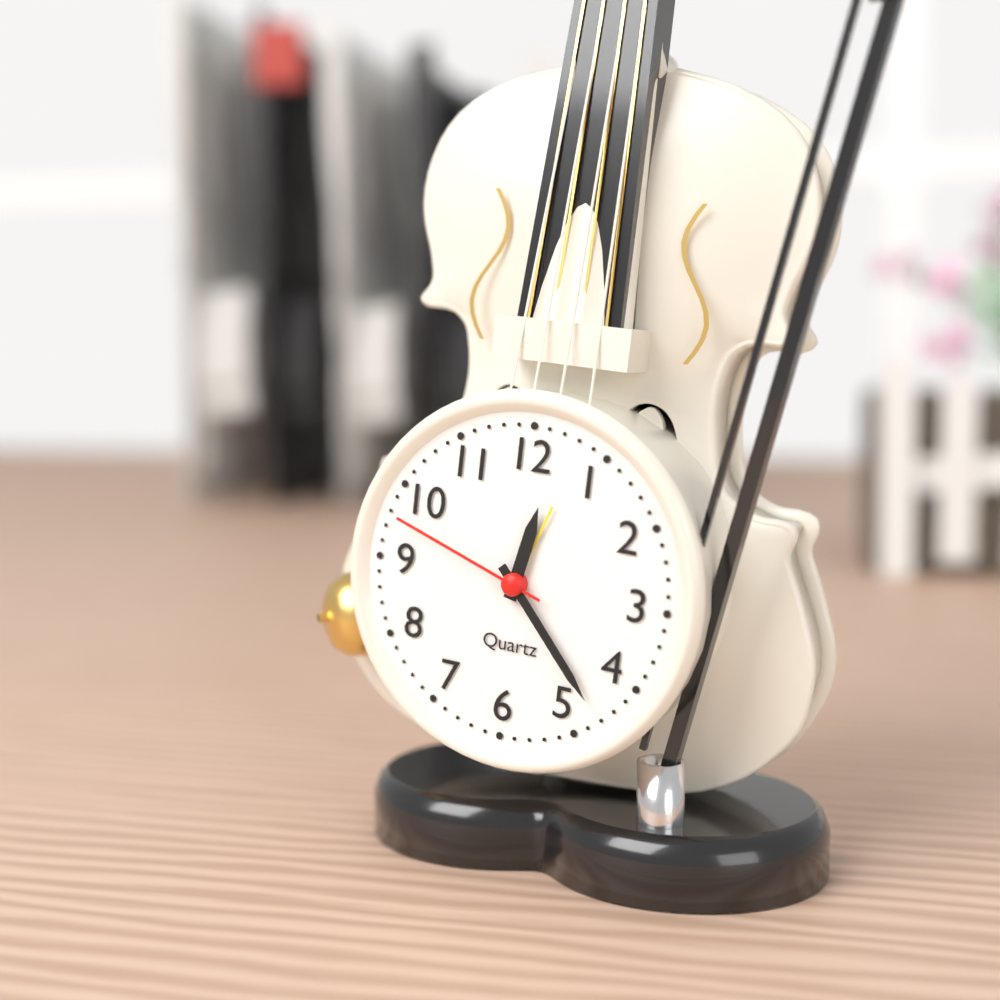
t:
12,23,48
